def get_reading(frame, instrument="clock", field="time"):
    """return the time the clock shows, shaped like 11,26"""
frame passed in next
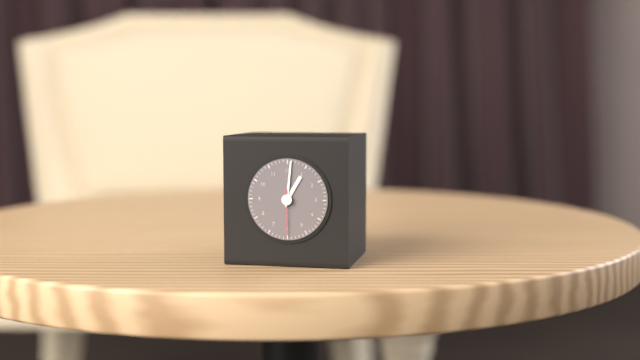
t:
1,01
